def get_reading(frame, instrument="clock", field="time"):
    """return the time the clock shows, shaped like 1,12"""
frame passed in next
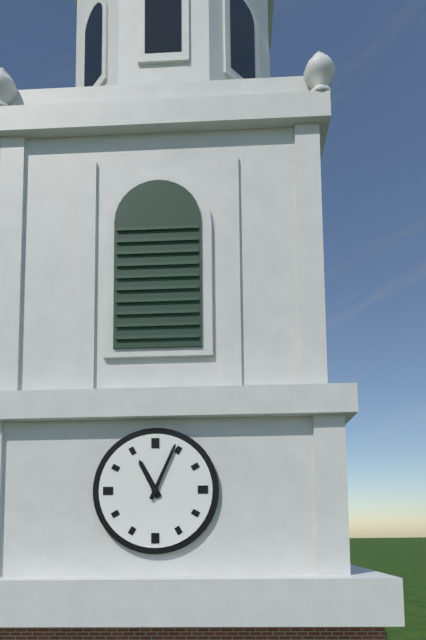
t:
11,04
